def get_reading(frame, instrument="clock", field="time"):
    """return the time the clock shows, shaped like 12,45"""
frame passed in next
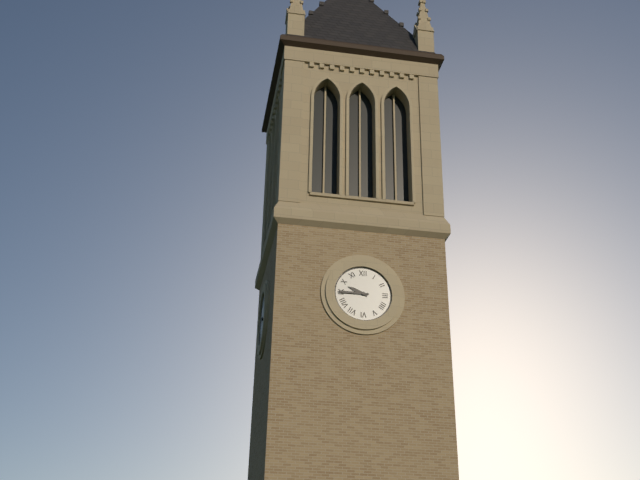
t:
9,45
